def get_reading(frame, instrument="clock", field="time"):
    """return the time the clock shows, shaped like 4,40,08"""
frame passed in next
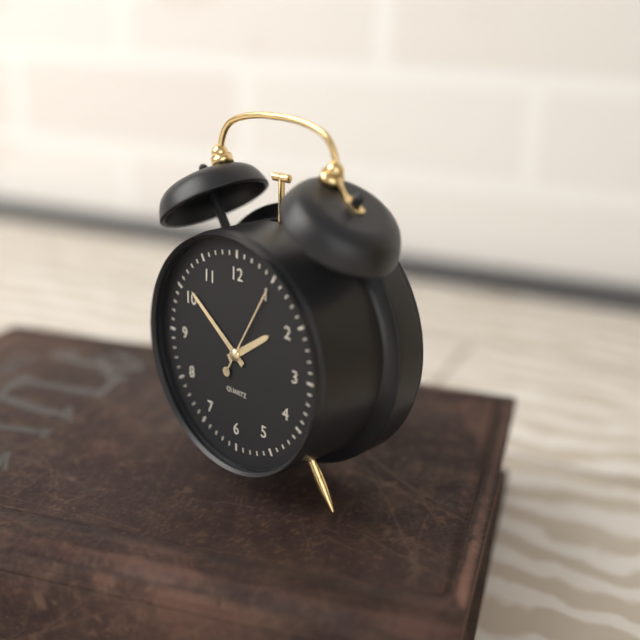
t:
1,51,05
